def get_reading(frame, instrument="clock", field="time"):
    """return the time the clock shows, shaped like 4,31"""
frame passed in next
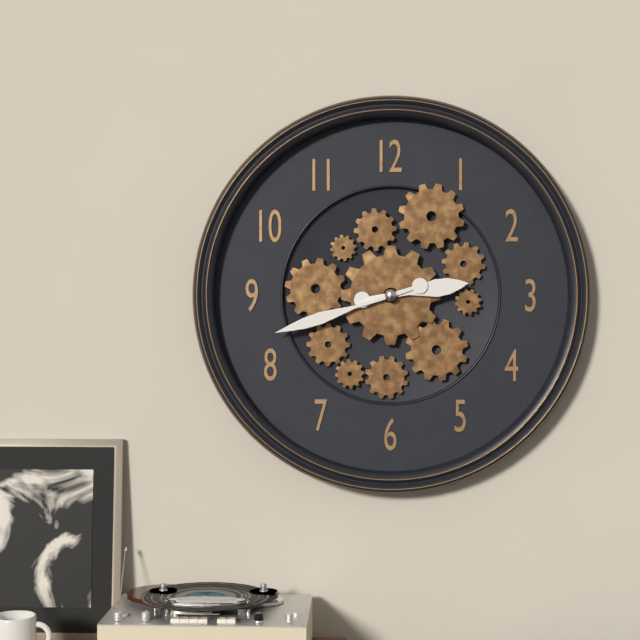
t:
2,42
